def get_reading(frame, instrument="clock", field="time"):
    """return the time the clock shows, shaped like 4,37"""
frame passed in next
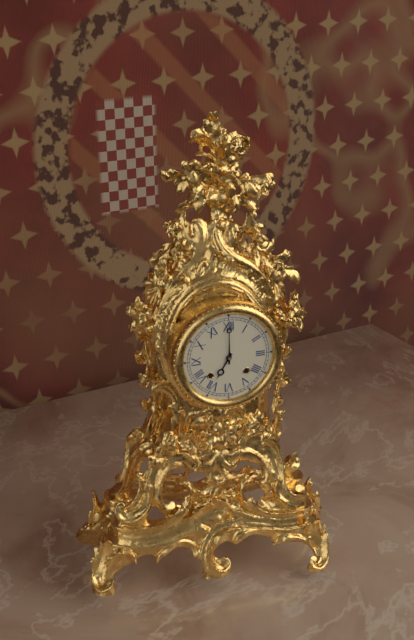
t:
7,00
